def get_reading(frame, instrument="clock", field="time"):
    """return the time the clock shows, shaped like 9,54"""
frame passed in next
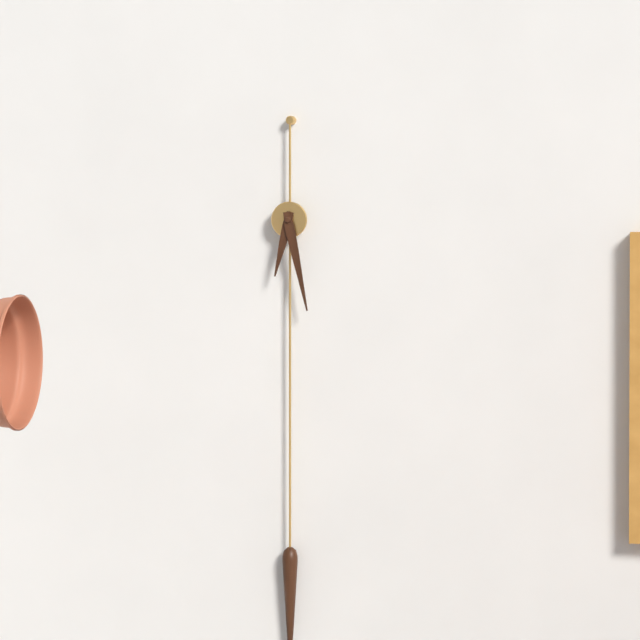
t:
6,28
